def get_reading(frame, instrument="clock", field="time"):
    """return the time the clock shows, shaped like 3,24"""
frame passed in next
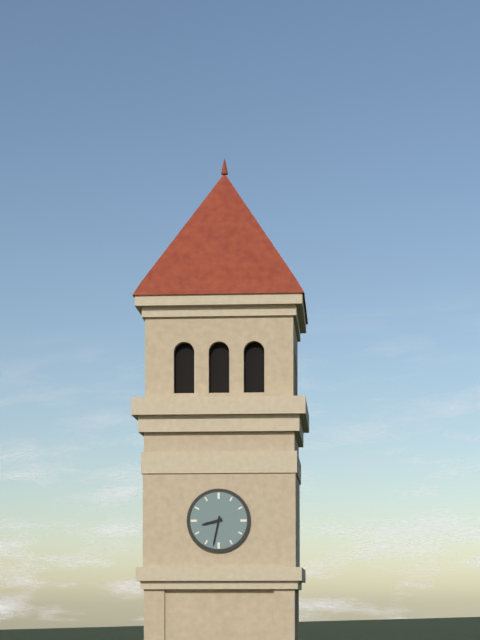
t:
8,32
